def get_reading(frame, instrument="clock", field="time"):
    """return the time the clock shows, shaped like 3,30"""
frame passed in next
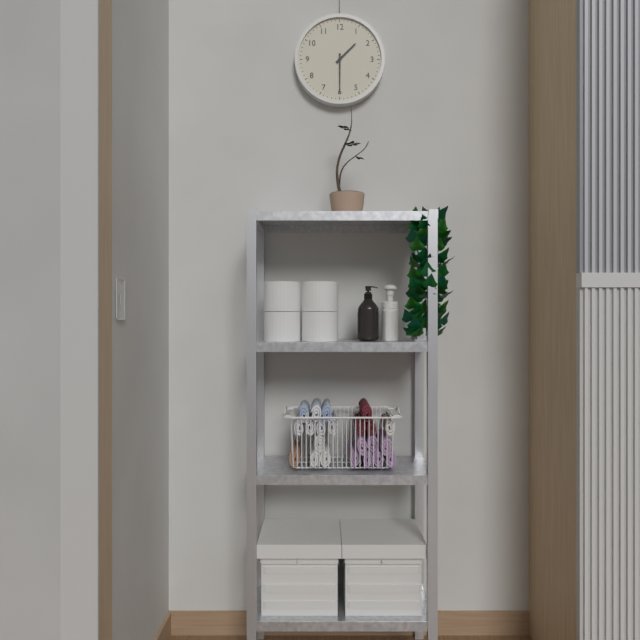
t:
1,30
